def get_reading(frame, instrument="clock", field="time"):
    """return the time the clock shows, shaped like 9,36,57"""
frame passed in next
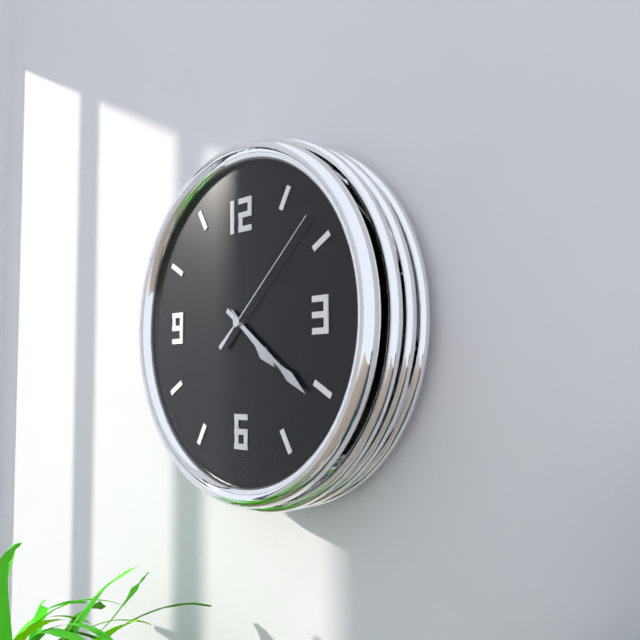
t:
4,21,08
